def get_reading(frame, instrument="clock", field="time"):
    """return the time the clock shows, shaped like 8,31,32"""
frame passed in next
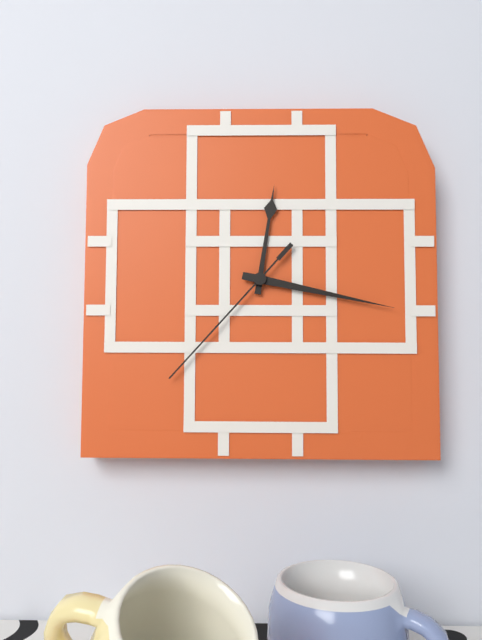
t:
12,17,37
